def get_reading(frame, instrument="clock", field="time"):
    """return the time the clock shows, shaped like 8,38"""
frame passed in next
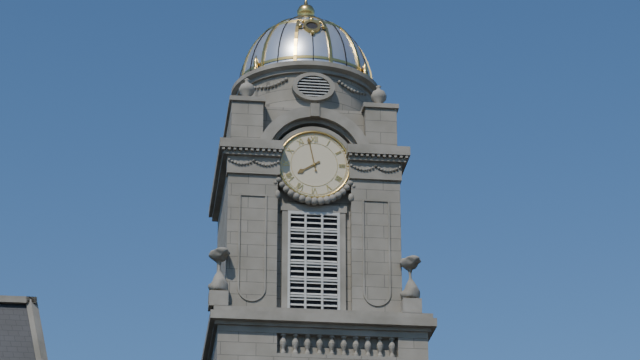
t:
7,58
